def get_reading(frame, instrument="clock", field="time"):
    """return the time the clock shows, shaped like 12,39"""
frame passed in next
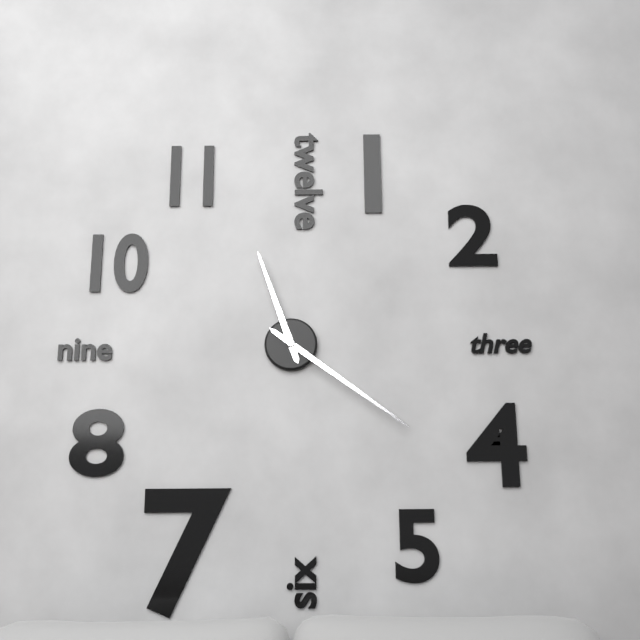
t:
11,21
